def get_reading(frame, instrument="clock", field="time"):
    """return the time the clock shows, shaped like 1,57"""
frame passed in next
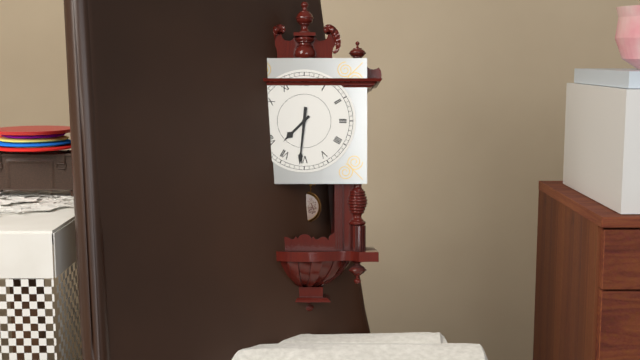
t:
7,31
